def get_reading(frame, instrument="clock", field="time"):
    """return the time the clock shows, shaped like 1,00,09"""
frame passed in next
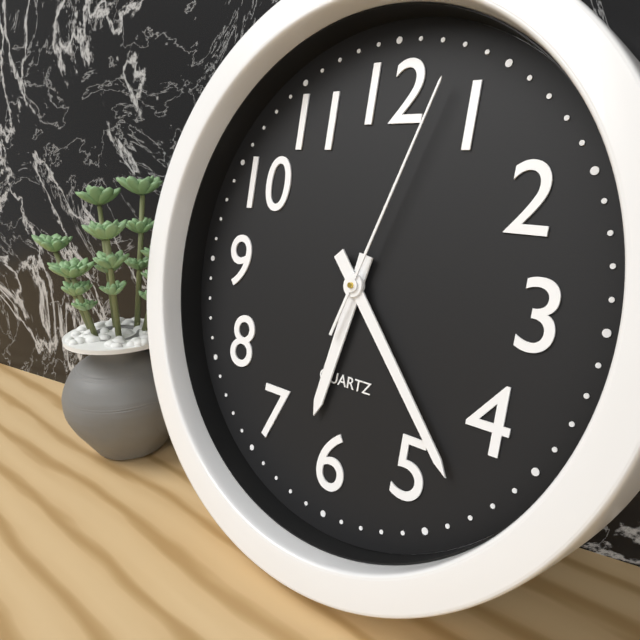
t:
6,23,03
